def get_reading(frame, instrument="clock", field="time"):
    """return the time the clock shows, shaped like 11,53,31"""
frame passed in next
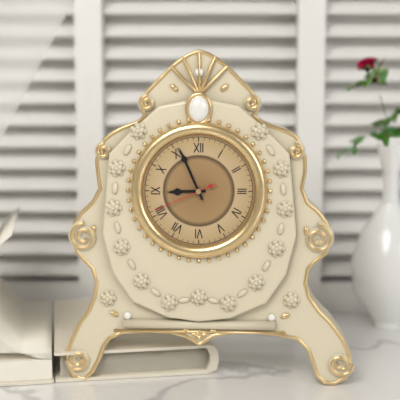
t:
8,56,41
